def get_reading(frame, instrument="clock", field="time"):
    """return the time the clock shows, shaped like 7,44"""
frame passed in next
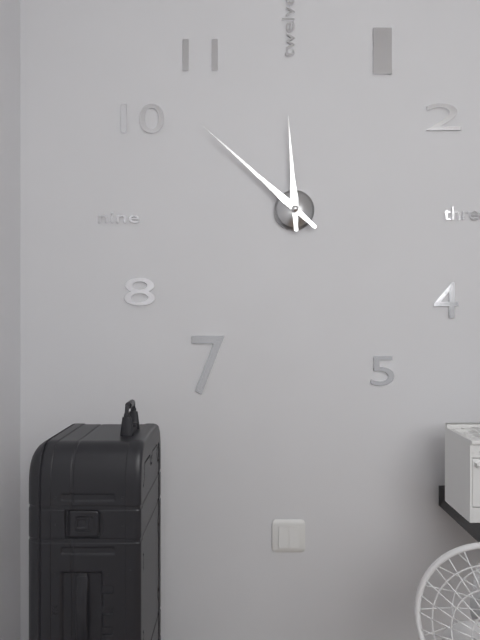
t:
11,52
